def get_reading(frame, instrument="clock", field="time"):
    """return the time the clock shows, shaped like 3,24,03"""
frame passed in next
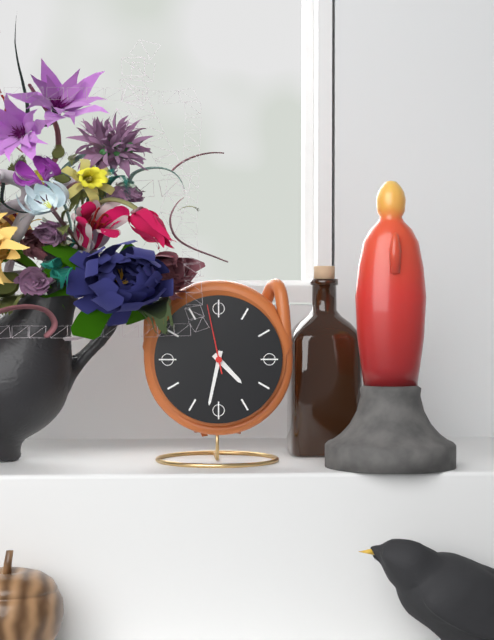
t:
4,32,58
